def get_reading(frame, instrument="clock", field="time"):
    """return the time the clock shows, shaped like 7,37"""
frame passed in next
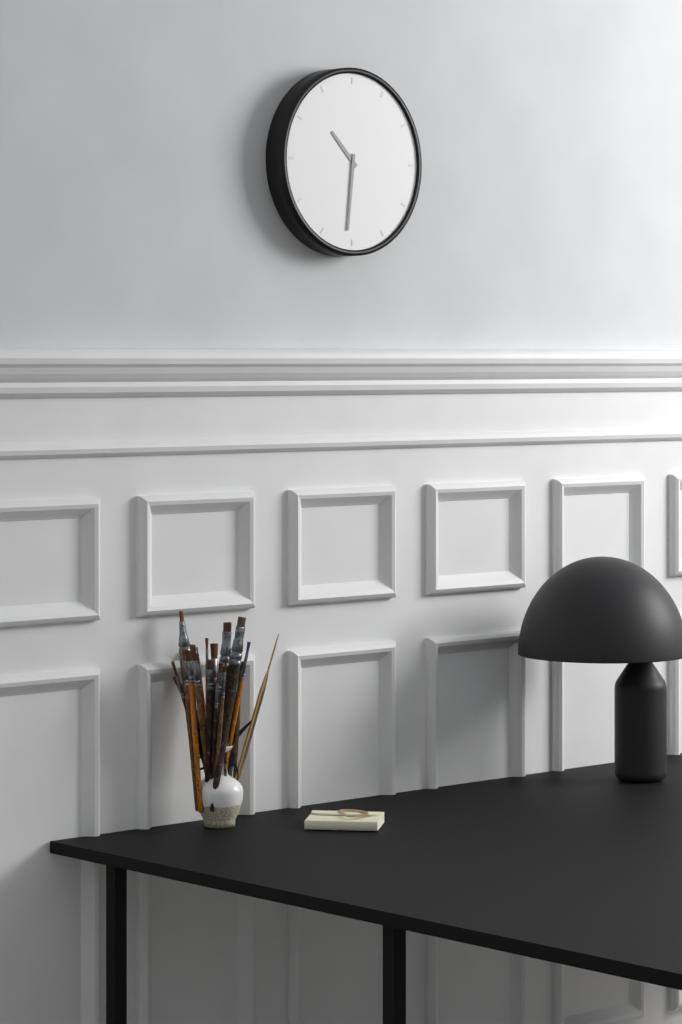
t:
10,31
